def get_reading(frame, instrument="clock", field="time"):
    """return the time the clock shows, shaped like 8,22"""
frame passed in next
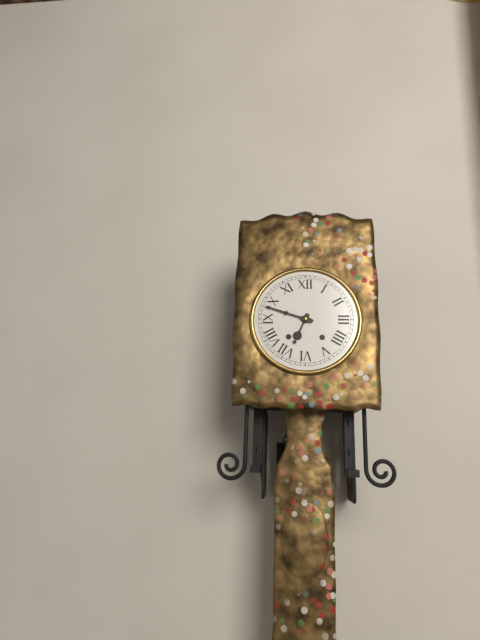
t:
6,48
